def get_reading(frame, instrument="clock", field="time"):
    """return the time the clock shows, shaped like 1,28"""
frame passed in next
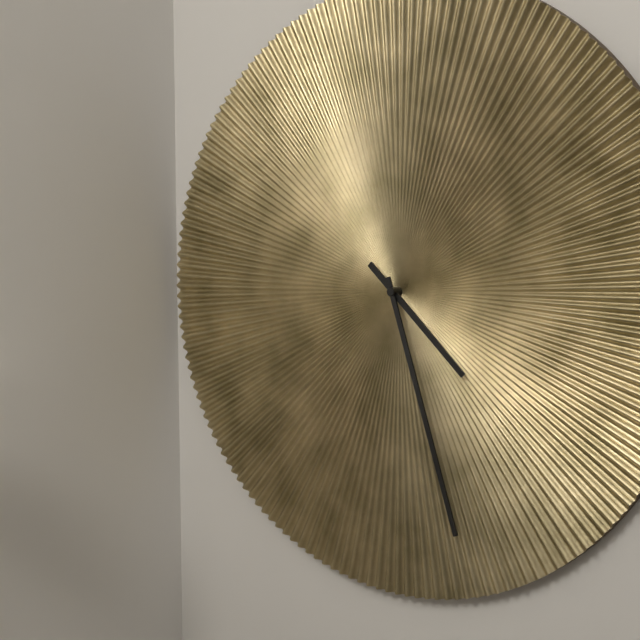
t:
4,27
